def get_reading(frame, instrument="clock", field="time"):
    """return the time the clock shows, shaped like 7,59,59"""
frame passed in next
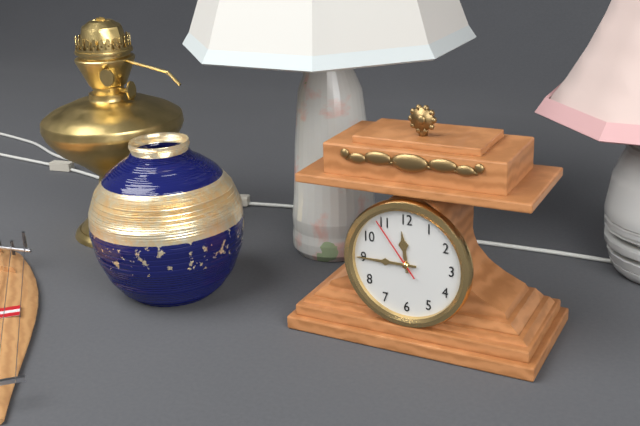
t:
11,45,54
